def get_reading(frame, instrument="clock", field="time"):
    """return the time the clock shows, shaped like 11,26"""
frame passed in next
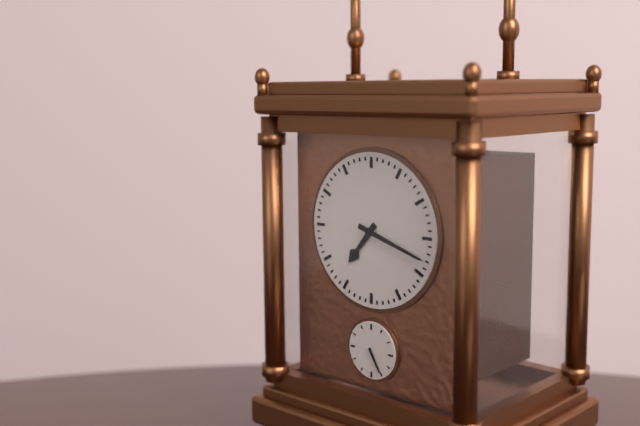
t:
7,18
